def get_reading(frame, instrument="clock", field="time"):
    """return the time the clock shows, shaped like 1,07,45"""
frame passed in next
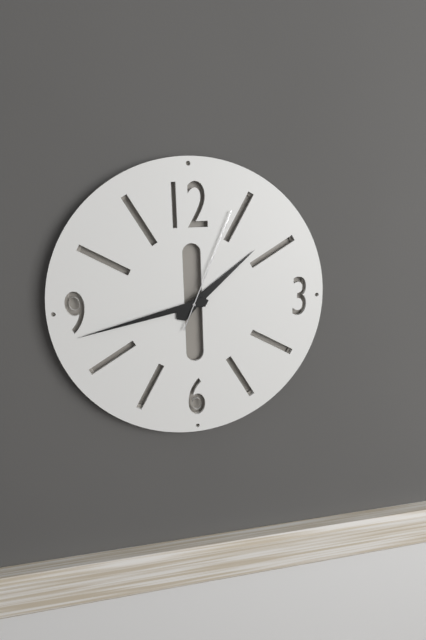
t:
1,43,04
